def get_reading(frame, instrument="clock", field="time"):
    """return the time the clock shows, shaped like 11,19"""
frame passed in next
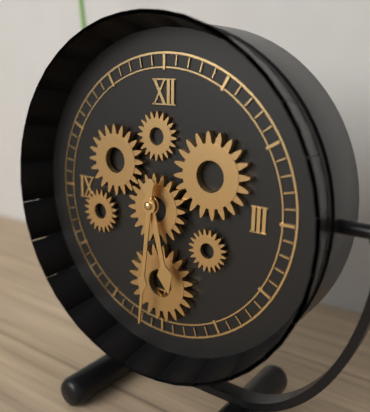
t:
5,31
